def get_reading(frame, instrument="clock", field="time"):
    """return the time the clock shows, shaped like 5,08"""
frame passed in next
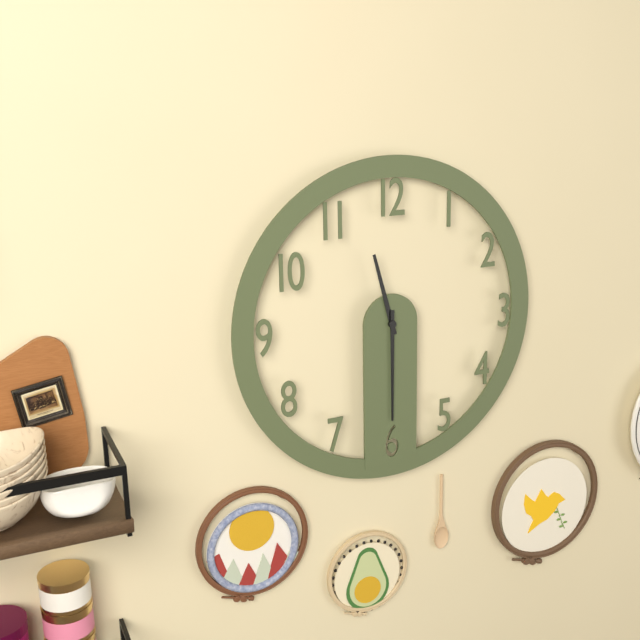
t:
11,30
